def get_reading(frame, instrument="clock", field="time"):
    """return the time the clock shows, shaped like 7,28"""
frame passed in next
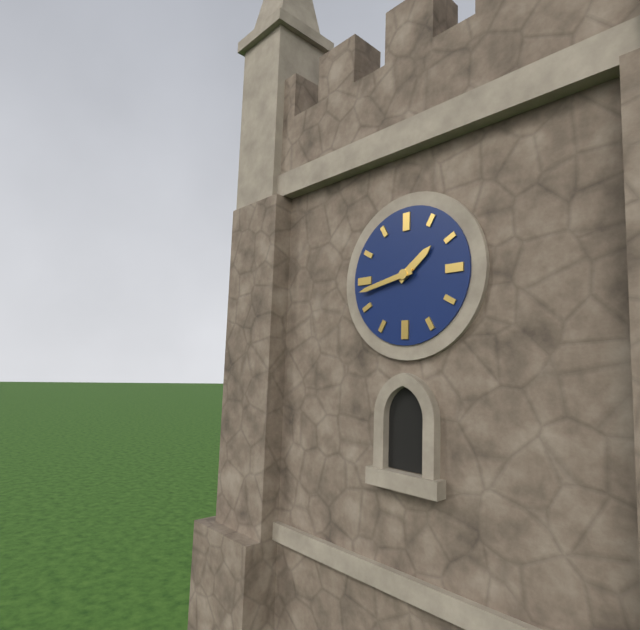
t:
1,43
